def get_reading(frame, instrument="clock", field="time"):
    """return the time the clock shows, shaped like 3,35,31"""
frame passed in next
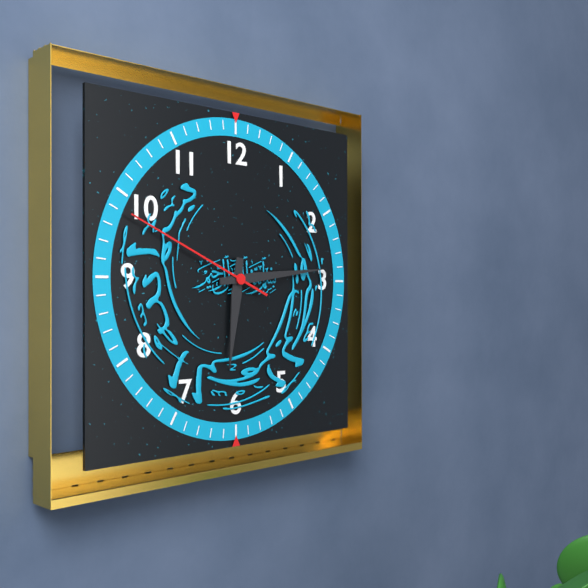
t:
6,14,49
